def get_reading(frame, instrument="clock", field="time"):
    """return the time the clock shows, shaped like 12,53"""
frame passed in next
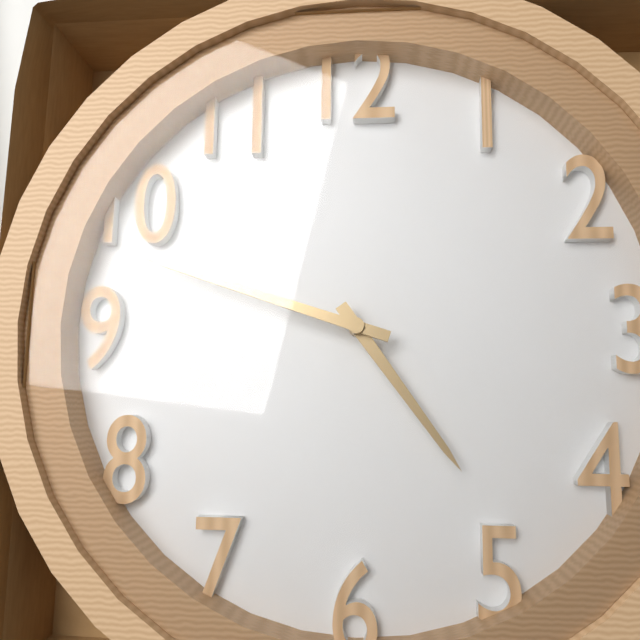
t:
4,48
